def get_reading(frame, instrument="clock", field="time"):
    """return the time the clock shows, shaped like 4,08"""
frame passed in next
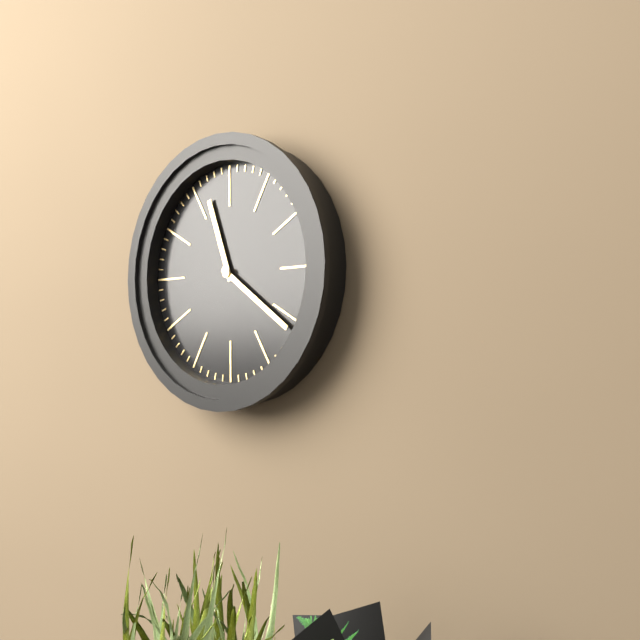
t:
11,21
